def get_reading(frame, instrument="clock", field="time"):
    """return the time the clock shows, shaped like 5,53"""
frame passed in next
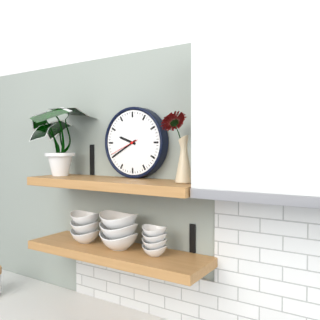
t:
9,40
